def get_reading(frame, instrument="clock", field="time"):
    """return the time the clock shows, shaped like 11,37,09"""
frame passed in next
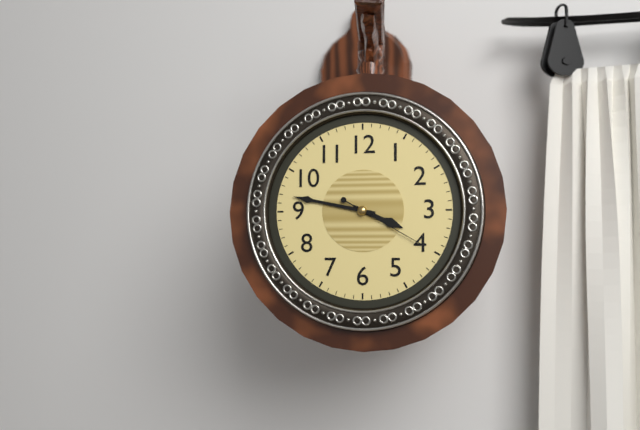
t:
3,47,20
